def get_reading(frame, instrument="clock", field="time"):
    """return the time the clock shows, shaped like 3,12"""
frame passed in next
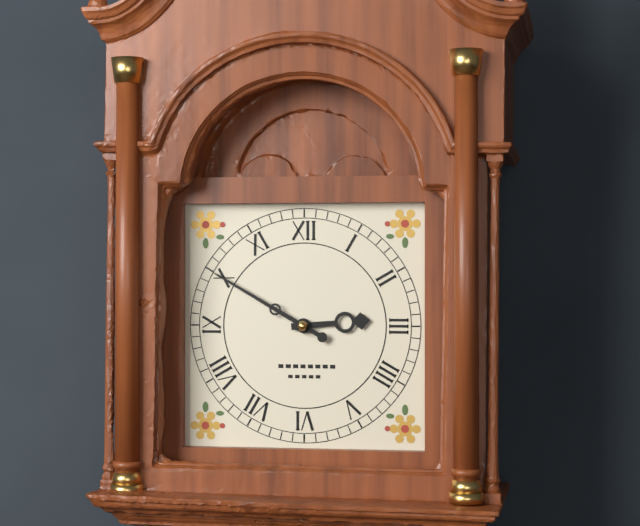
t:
2,50
